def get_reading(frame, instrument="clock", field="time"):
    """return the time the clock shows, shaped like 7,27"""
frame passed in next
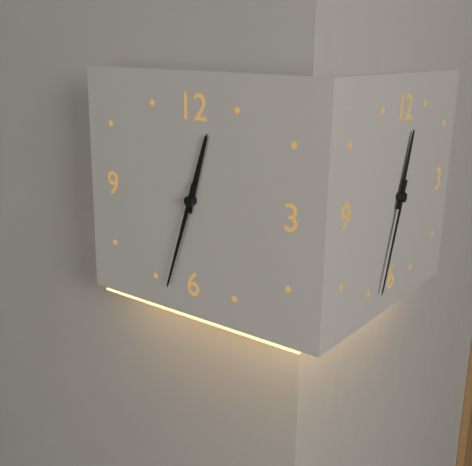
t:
12,33
